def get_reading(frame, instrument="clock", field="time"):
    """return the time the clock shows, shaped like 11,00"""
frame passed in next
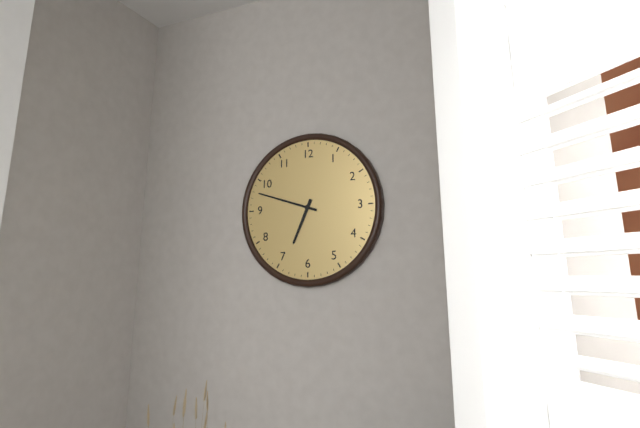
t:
6,48
